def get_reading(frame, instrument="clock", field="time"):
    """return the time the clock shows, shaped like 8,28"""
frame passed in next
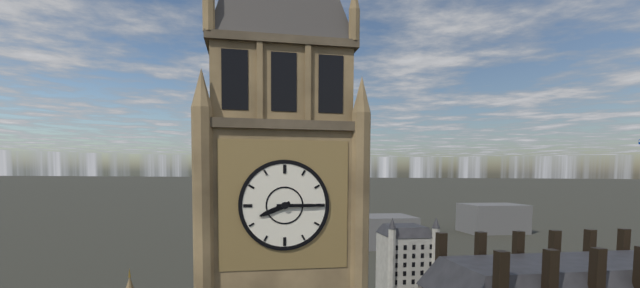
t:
8,15
